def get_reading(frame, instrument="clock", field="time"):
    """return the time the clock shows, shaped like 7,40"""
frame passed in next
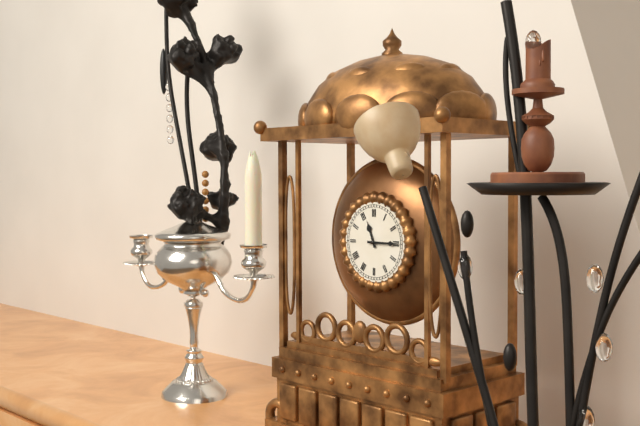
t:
11,15
